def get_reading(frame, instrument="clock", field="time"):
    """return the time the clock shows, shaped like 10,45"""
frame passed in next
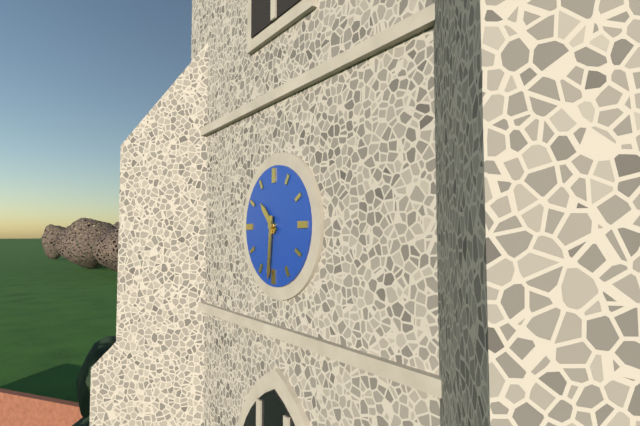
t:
10,31
